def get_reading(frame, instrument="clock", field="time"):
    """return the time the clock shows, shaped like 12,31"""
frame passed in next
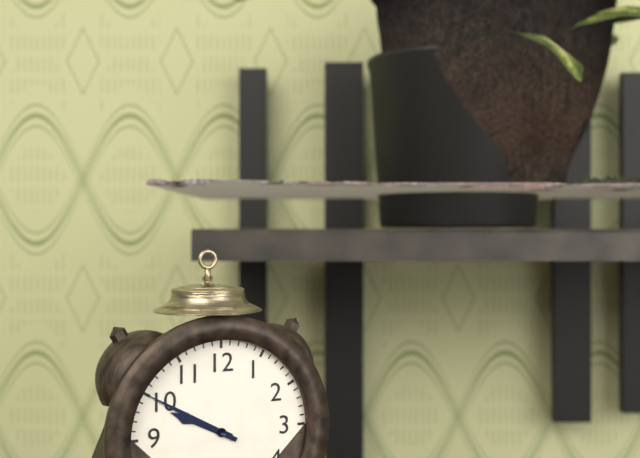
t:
9,50
